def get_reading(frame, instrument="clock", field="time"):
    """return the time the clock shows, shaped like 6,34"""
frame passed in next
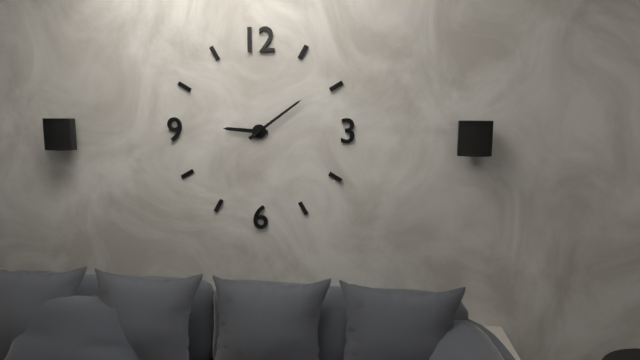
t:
9,09
